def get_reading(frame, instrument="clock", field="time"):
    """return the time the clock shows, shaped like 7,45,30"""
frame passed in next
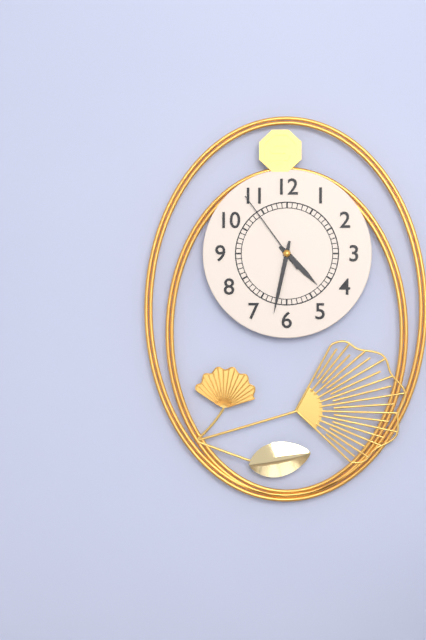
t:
4,32,54
